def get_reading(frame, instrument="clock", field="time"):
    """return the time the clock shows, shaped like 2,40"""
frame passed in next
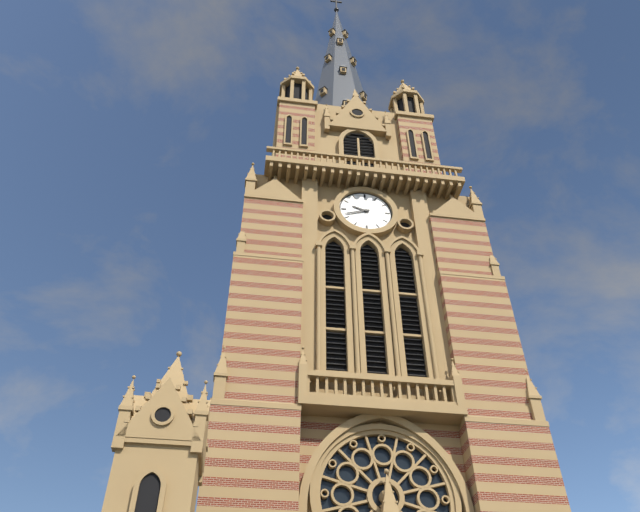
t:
9,42
